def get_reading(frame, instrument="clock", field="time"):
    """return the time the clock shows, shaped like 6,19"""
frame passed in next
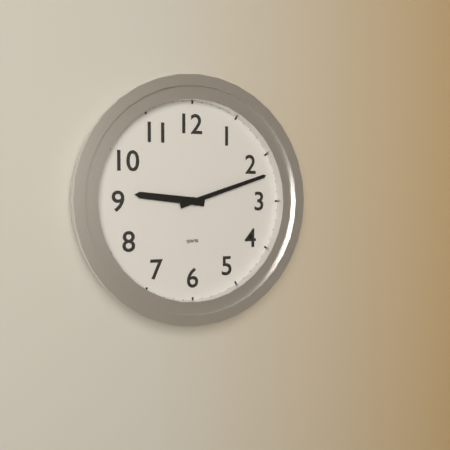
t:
9,12
